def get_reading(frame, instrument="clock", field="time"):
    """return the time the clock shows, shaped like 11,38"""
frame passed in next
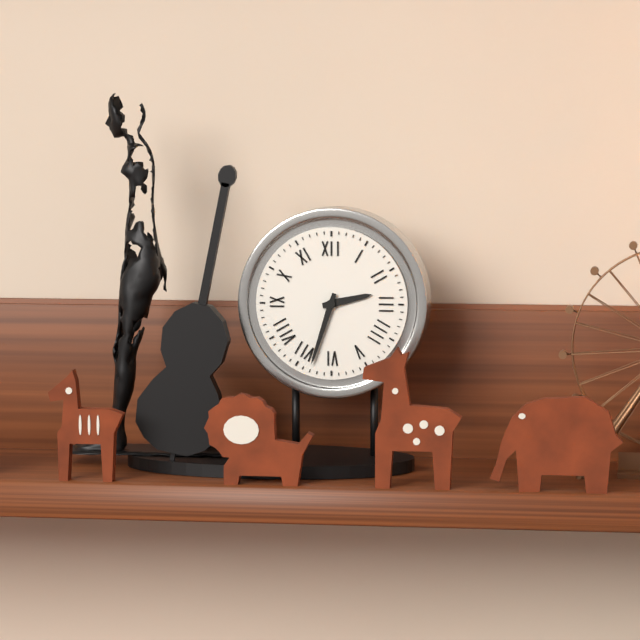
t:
2,33
